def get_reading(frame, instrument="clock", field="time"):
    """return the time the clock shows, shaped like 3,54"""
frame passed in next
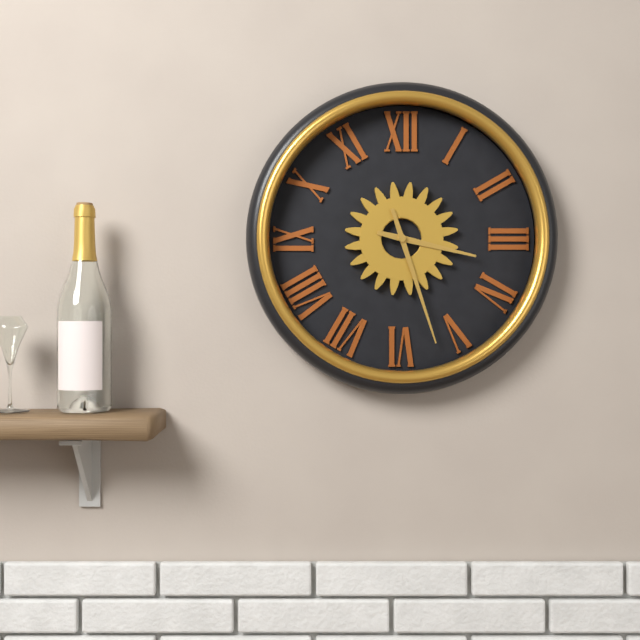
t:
3,27
